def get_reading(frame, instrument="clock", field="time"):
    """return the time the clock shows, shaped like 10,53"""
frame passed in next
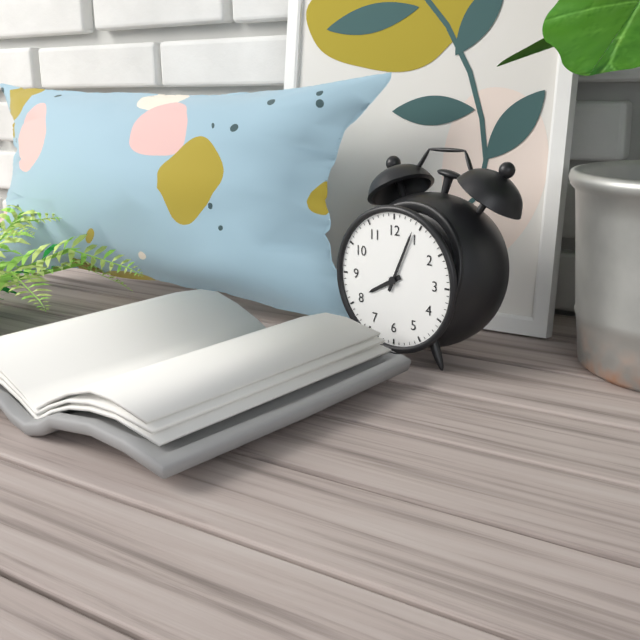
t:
8,04
